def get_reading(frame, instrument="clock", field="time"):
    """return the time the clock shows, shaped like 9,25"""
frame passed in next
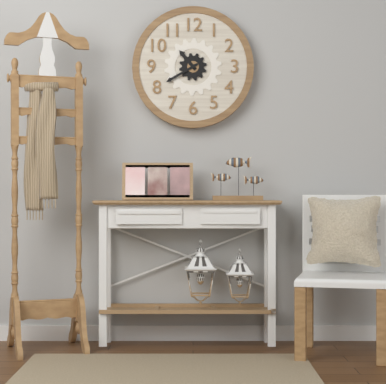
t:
10,40
